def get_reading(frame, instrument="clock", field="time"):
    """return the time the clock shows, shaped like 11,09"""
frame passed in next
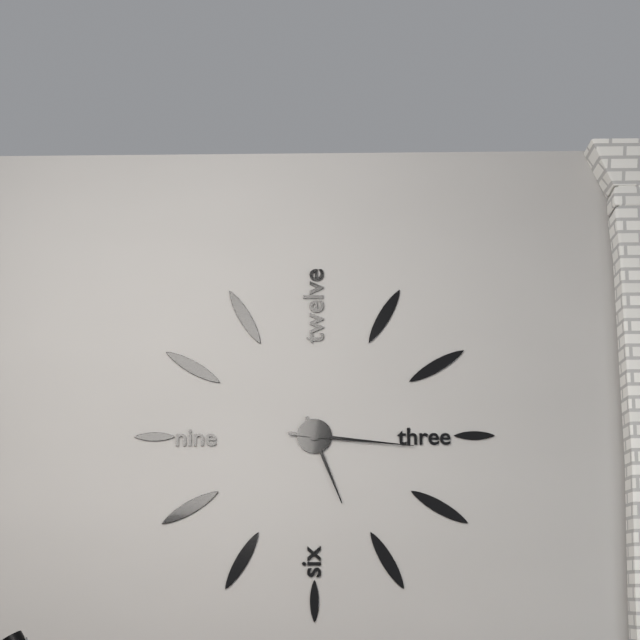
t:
5,16
